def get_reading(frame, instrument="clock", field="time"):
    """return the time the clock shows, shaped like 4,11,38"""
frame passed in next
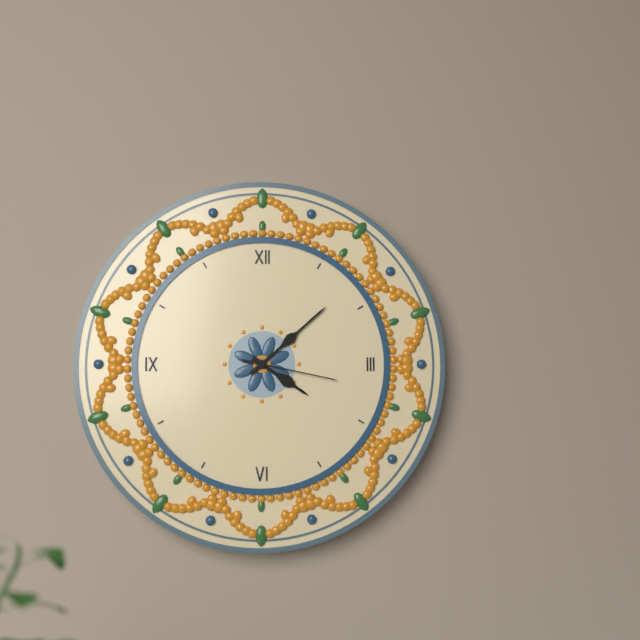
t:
4,08,17
